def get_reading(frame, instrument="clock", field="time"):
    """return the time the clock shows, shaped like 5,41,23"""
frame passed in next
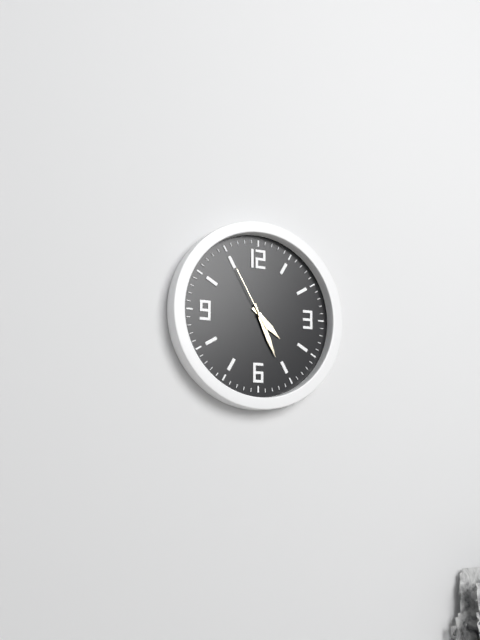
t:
4,26,55
